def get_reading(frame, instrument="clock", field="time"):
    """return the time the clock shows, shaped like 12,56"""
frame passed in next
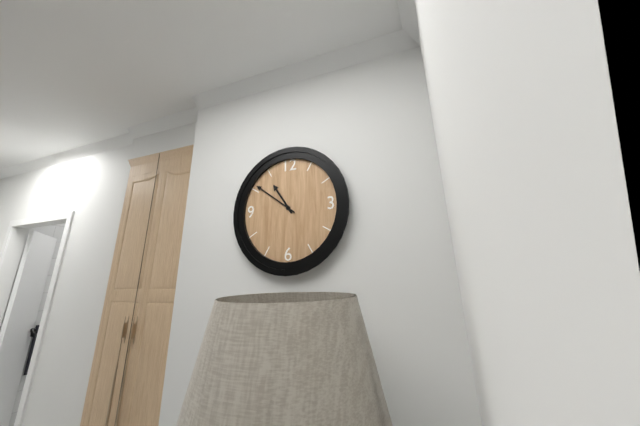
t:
10,51
